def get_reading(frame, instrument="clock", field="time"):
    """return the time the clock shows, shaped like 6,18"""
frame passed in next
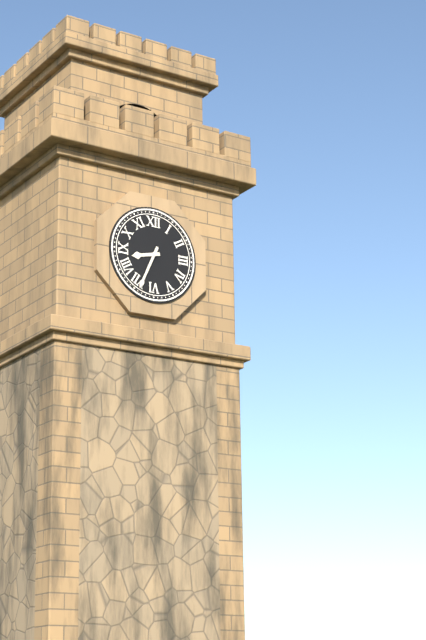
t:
8,34
